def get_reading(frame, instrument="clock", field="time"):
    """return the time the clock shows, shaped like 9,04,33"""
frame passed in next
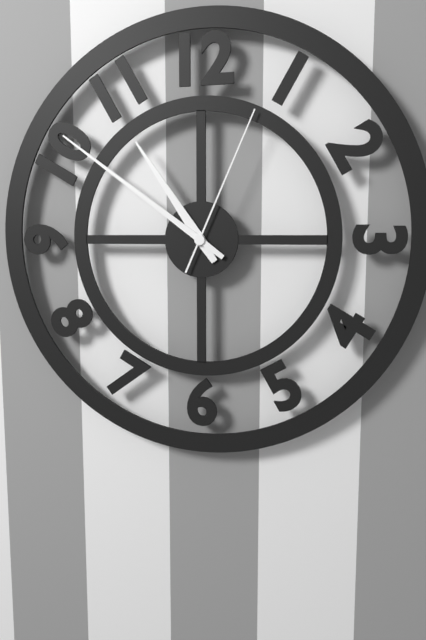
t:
10,51,04
